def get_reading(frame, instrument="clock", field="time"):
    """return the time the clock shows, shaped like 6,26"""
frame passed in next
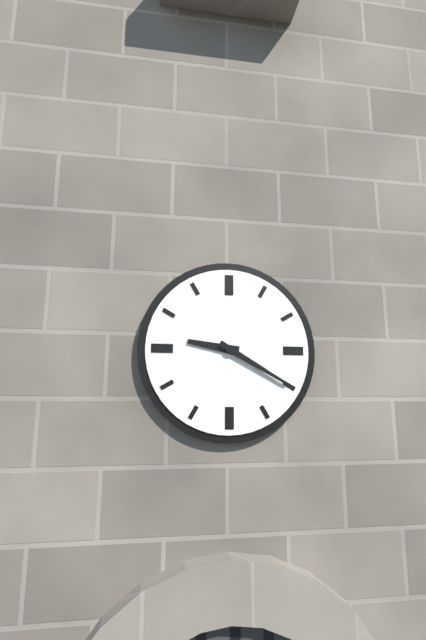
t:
9,20
